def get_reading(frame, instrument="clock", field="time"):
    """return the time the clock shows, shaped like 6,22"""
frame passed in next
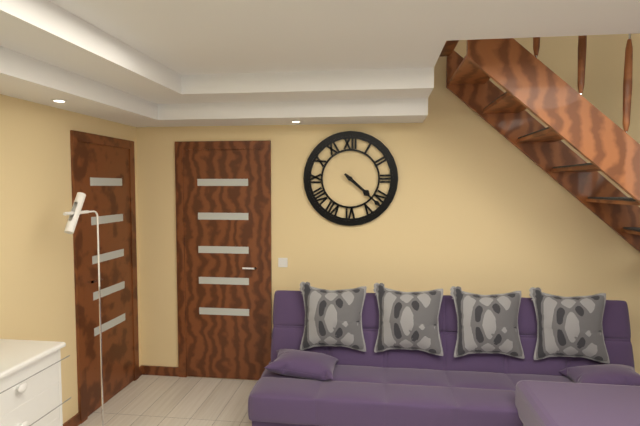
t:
4,22
